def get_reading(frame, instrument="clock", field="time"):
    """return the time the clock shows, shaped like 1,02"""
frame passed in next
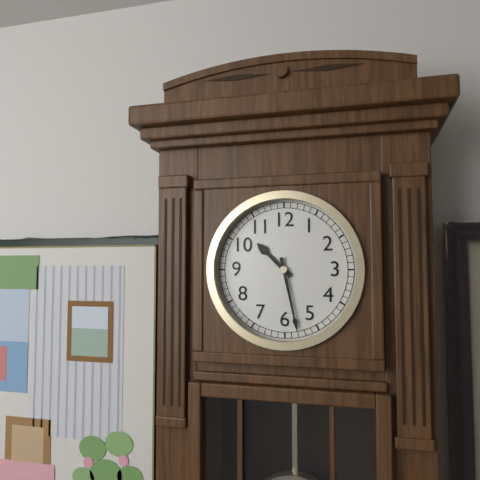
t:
10,28
